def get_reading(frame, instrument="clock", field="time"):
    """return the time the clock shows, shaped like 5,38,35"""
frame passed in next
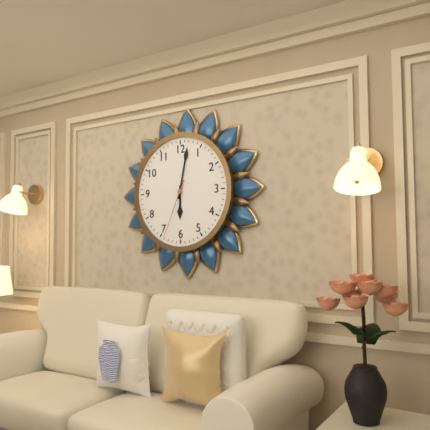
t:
6,02,34
